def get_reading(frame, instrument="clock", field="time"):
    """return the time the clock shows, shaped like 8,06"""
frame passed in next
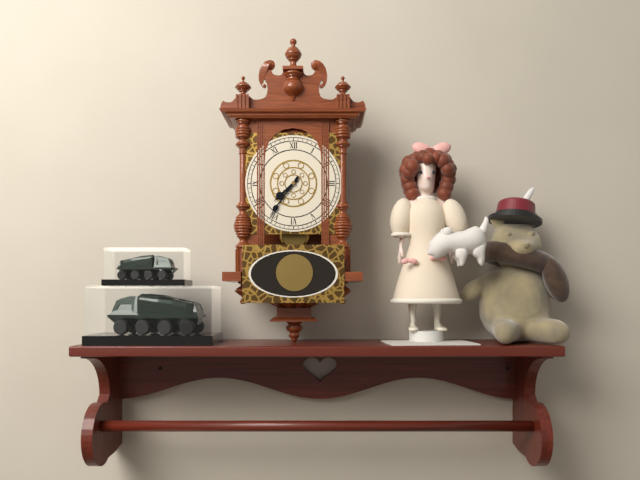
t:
7,36
